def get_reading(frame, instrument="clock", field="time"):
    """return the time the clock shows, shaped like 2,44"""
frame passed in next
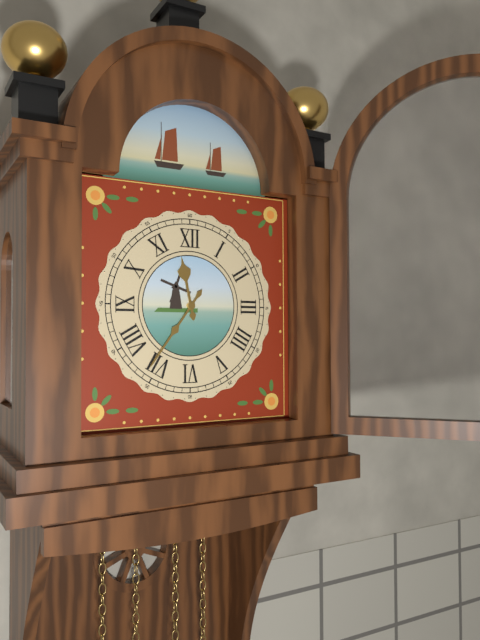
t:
11,36
